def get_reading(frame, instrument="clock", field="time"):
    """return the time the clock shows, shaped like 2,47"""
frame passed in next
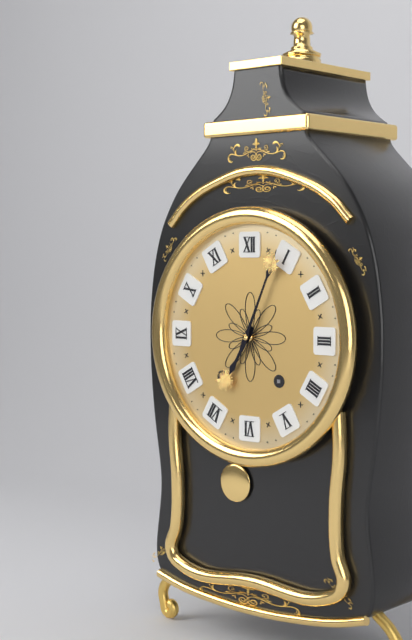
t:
7,04
